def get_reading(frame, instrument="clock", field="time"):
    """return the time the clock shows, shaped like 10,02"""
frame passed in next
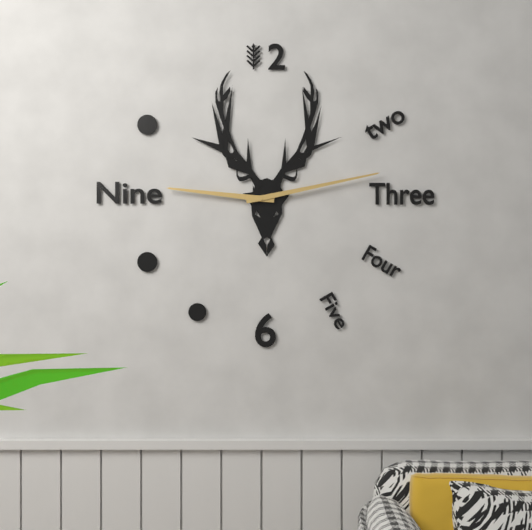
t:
9,13
